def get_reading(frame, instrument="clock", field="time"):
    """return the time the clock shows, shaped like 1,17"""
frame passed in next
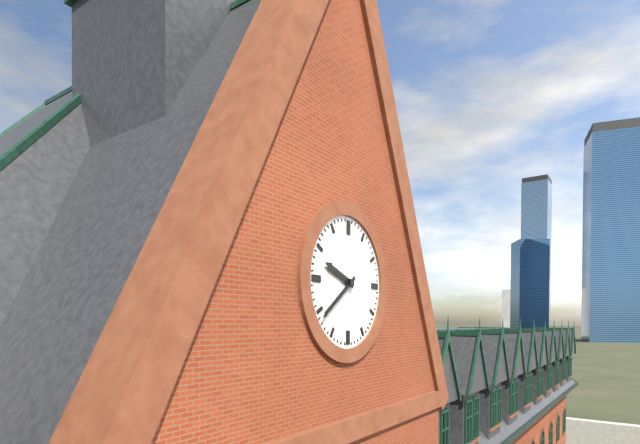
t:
9,39
